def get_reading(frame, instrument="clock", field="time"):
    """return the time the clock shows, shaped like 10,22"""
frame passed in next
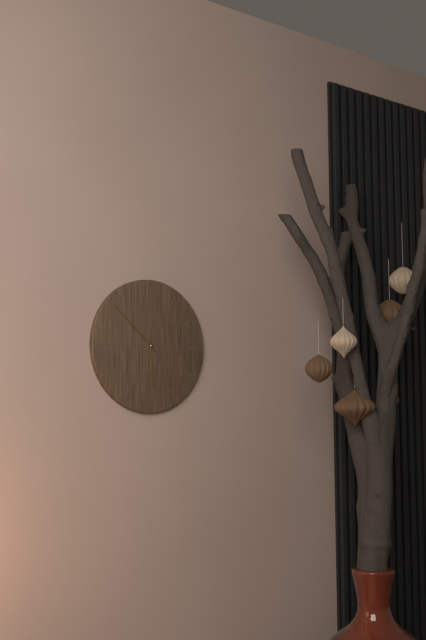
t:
5,52
